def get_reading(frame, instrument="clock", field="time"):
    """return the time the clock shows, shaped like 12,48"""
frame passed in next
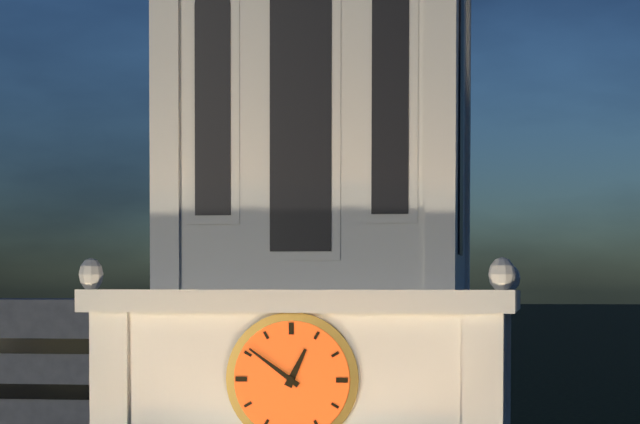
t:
12,51
